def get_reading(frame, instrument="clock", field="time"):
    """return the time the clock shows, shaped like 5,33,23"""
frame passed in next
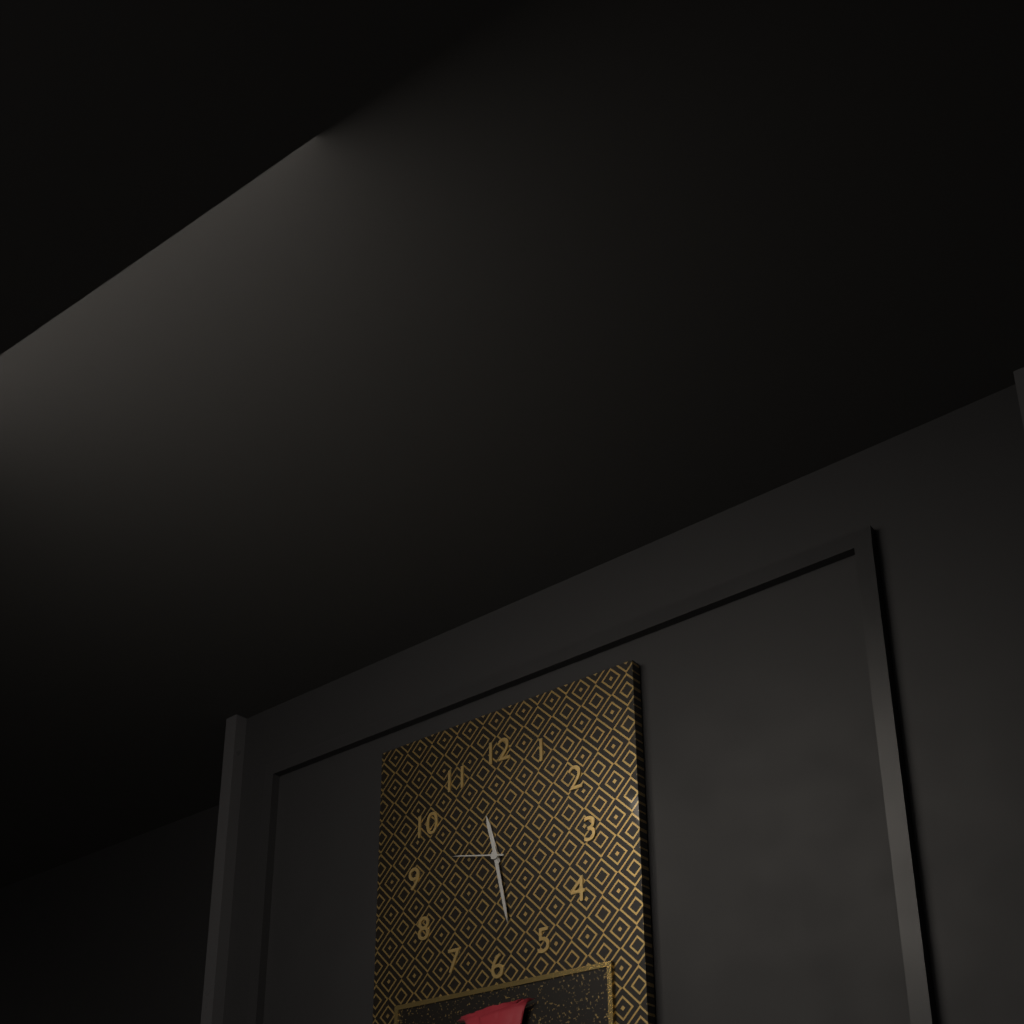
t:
11,28,47
